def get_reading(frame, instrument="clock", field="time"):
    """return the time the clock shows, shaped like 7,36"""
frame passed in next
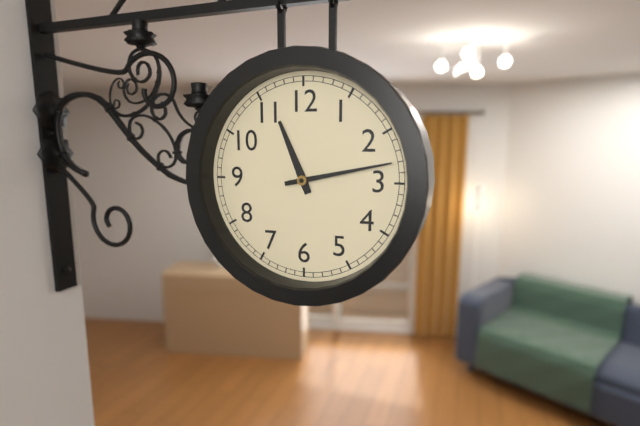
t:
11,13
